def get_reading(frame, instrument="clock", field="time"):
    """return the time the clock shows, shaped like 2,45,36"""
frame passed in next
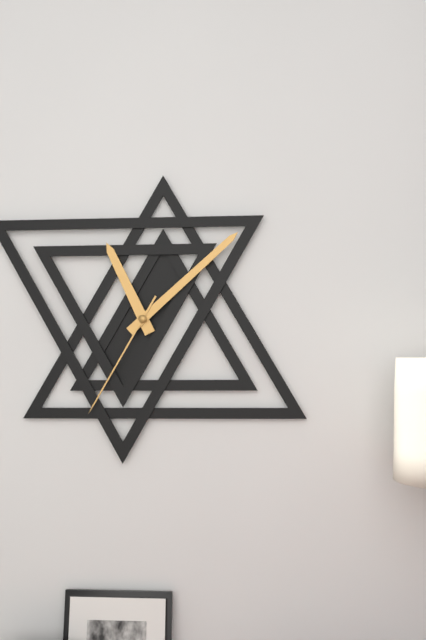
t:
11,08,35
